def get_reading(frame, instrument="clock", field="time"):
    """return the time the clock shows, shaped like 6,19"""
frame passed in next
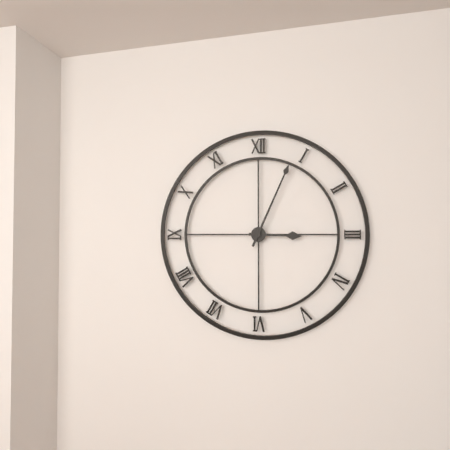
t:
3,04
